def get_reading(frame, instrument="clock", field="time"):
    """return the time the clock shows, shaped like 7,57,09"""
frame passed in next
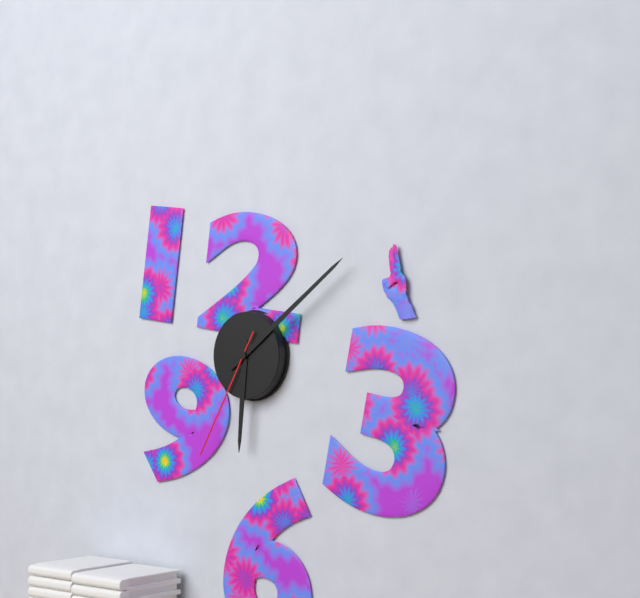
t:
6,09,35
